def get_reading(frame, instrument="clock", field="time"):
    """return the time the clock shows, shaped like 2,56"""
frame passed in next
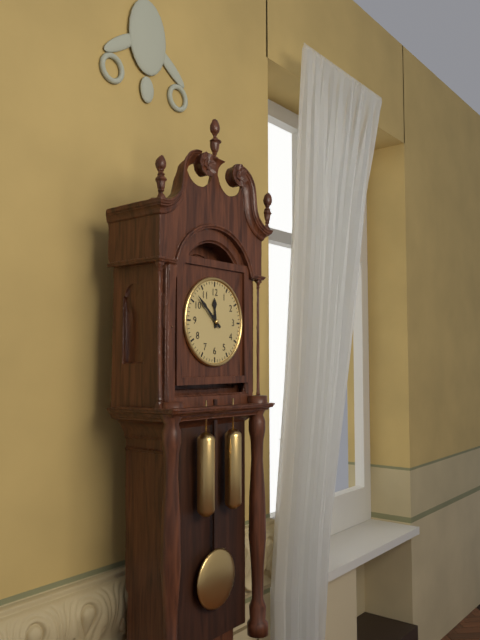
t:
11,52
